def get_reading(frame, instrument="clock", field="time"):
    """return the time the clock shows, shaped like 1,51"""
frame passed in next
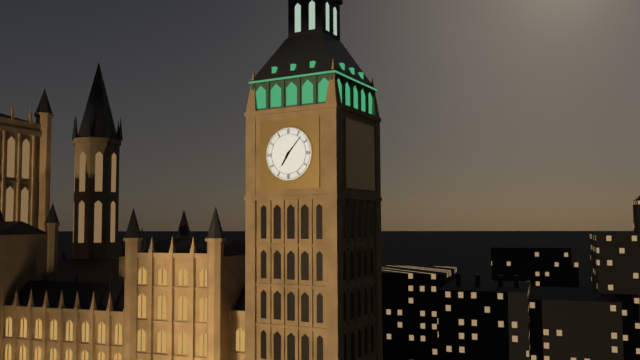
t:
7,07
